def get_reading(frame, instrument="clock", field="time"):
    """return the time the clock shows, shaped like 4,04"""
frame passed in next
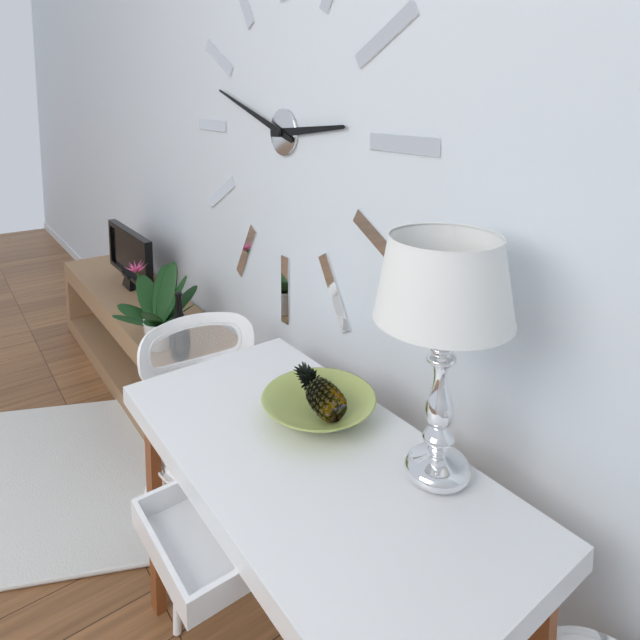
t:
2,48
